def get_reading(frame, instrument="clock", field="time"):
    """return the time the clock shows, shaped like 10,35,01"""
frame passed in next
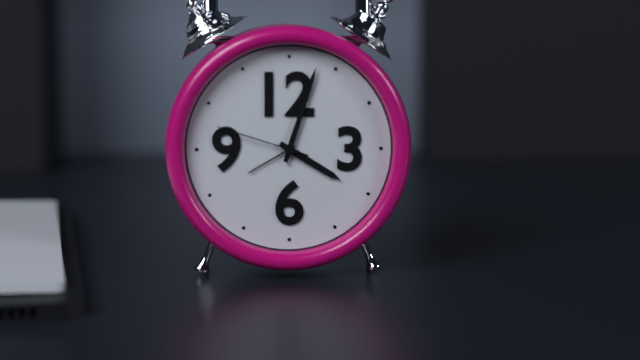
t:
4,03,48
